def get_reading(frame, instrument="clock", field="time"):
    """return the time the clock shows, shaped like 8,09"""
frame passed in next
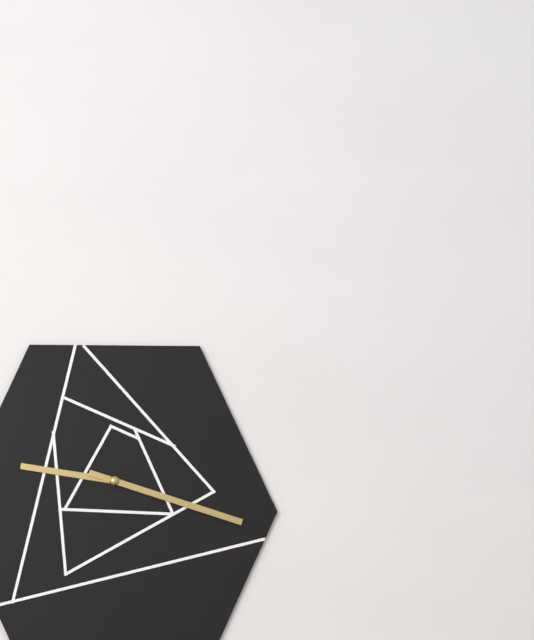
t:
9,18
